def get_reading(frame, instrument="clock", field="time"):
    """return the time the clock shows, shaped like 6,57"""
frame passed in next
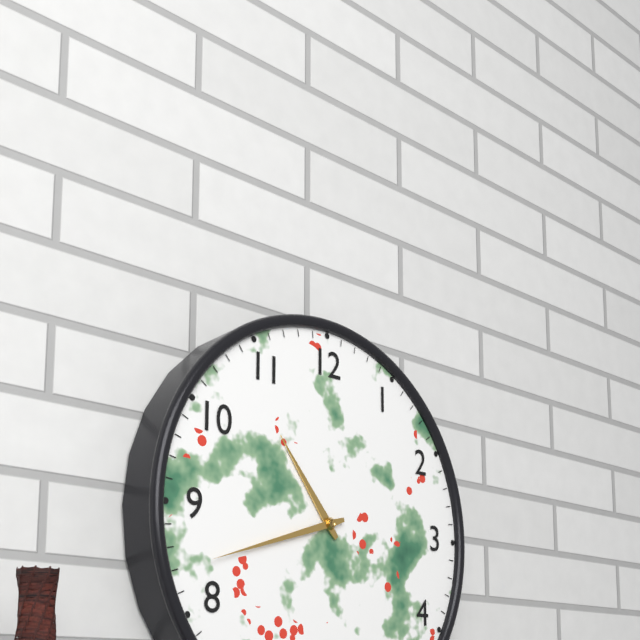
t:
10,42
